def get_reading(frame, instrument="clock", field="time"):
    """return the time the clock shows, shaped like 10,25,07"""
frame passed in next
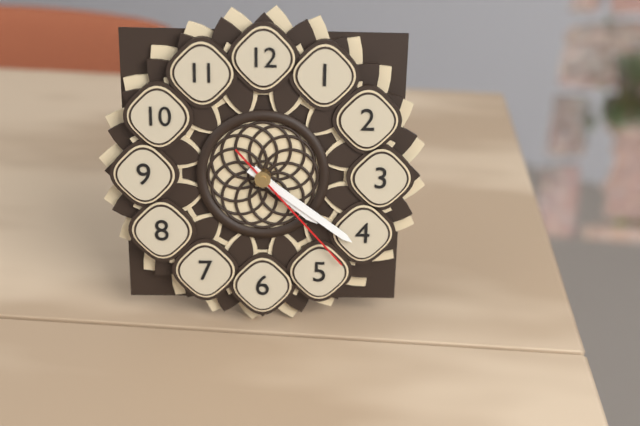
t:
4,21,23
